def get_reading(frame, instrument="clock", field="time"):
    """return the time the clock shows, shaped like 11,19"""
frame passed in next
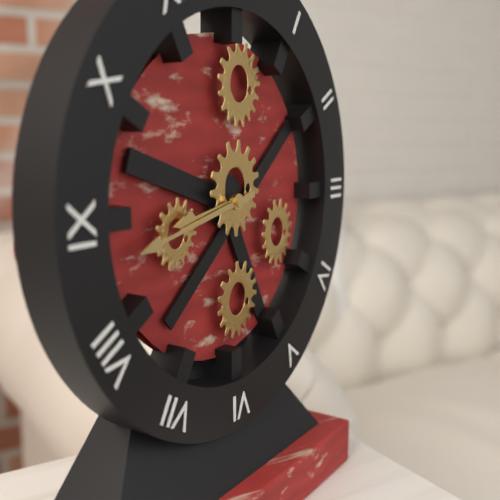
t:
8,43
